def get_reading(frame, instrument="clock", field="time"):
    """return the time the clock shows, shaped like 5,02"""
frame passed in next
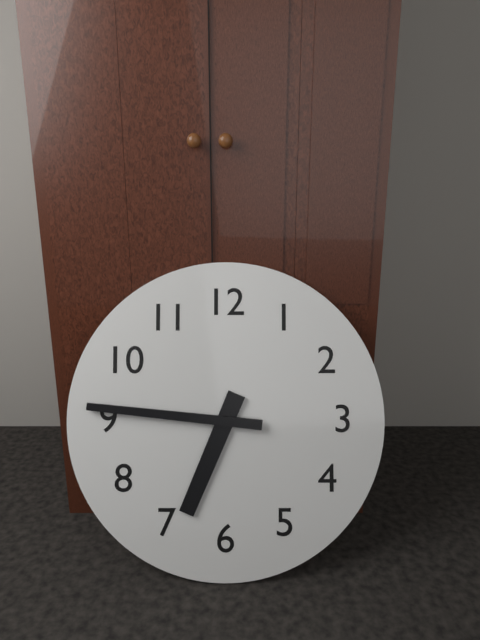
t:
6,46
